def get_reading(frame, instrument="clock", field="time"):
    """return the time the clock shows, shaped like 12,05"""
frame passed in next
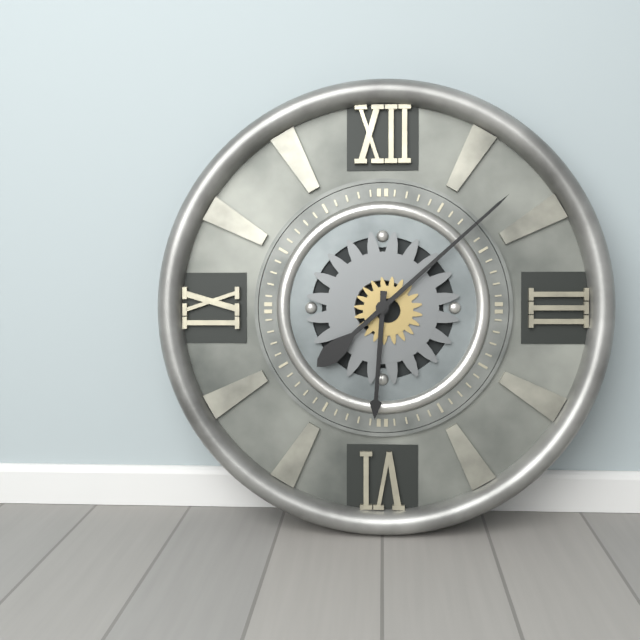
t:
6,08
